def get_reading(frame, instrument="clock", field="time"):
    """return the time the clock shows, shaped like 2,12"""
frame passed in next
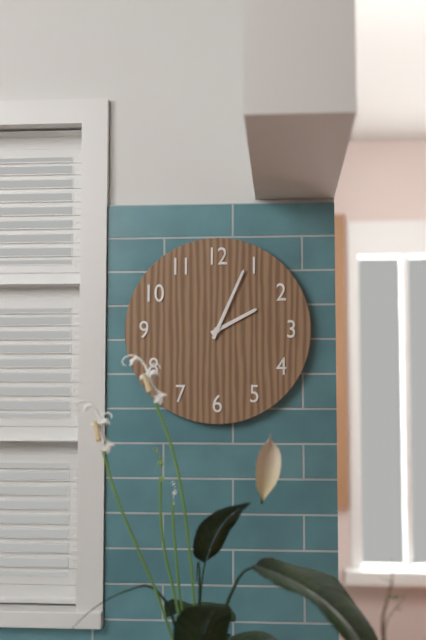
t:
2,04
